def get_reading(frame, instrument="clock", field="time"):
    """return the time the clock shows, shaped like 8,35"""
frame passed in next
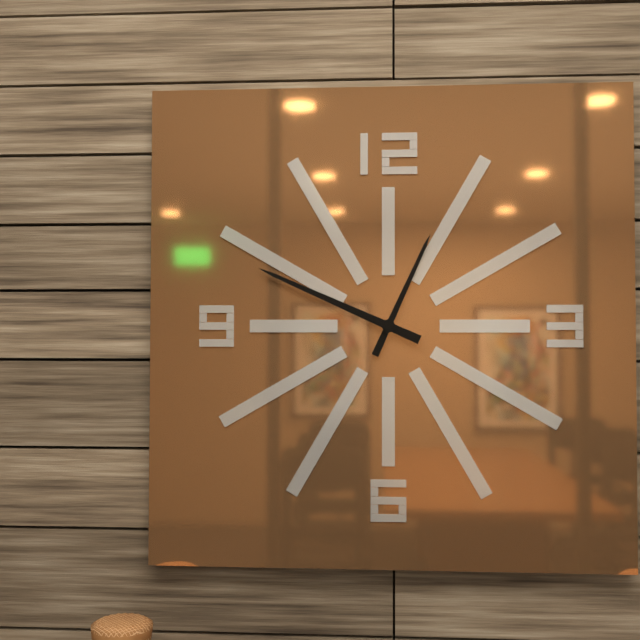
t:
12,49
